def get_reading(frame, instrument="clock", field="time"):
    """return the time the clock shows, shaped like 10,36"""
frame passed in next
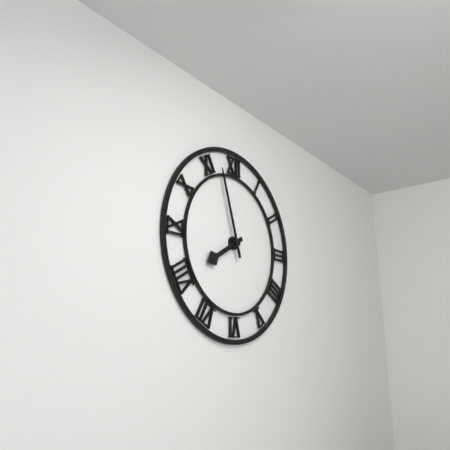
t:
7,57
